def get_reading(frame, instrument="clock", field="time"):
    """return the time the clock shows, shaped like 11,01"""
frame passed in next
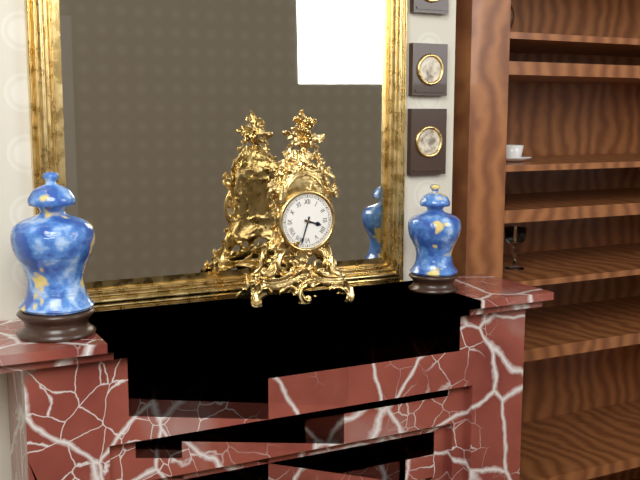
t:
3,33
